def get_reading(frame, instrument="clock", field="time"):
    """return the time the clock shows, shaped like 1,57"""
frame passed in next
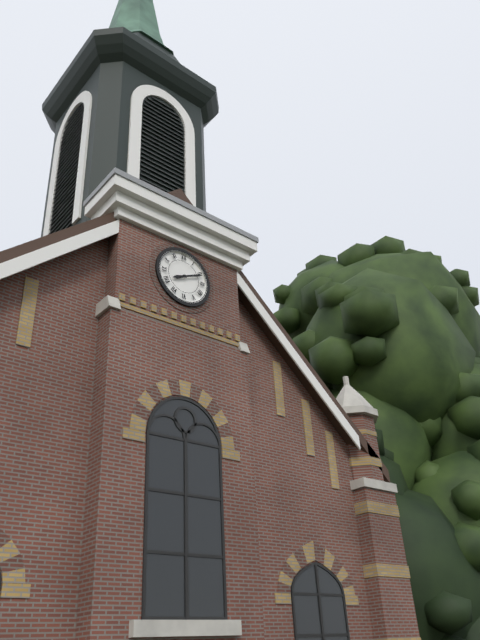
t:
8,11
